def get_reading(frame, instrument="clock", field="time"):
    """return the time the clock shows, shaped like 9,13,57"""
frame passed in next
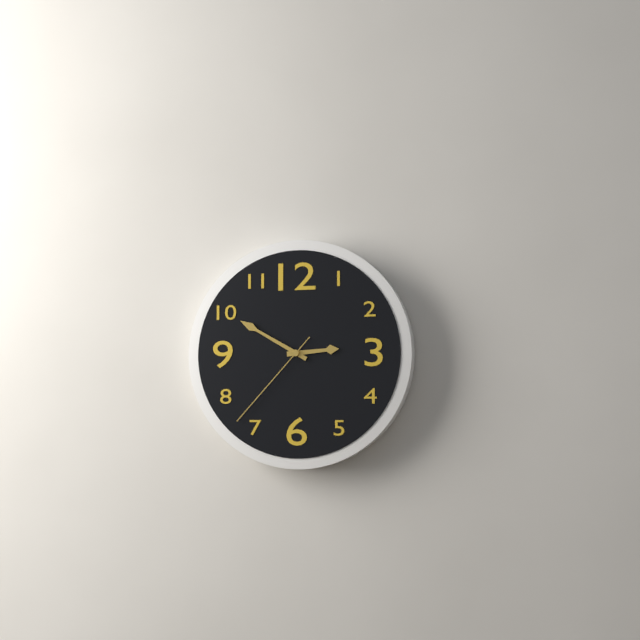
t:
2,50,37
